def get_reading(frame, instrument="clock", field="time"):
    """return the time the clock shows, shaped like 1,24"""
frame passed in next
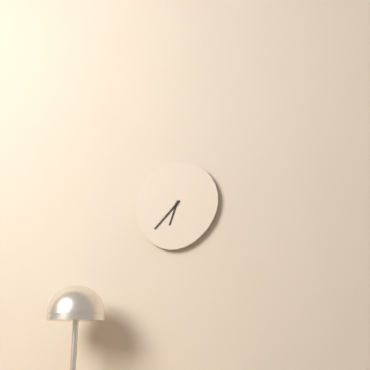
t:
6,37
